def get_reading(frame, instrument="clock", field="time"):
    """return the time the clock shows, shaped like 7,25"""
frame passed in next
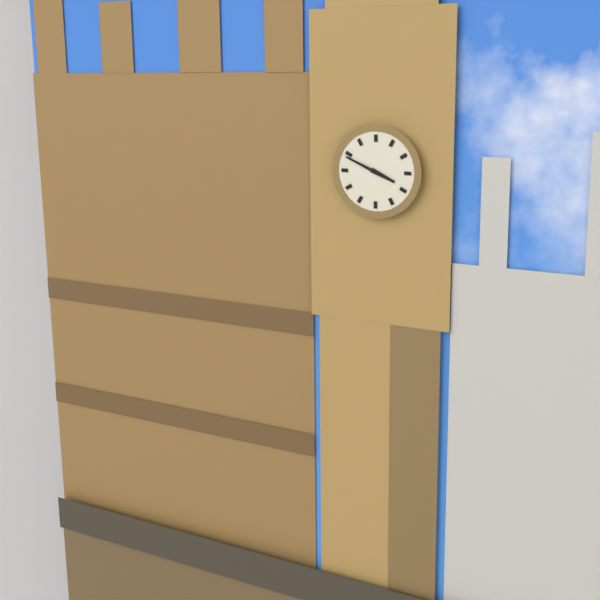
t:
3,49
